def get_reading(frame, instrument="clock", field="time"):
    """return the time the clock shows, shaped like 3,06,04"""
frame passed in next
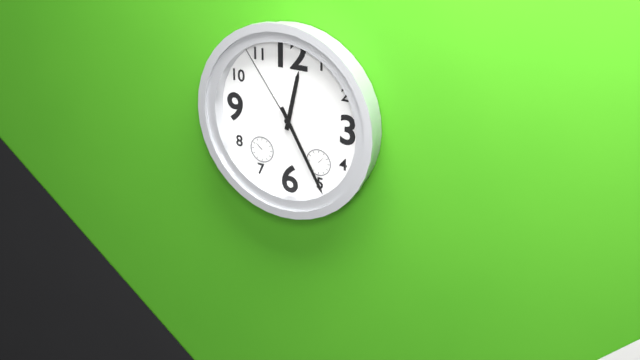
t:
12,25,54
